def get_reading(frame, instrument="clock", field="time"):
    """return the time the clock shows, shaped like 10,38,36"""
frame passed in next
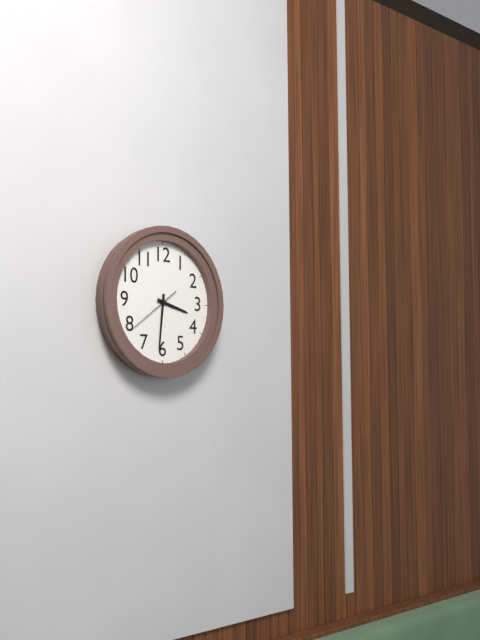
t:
3,31,39
